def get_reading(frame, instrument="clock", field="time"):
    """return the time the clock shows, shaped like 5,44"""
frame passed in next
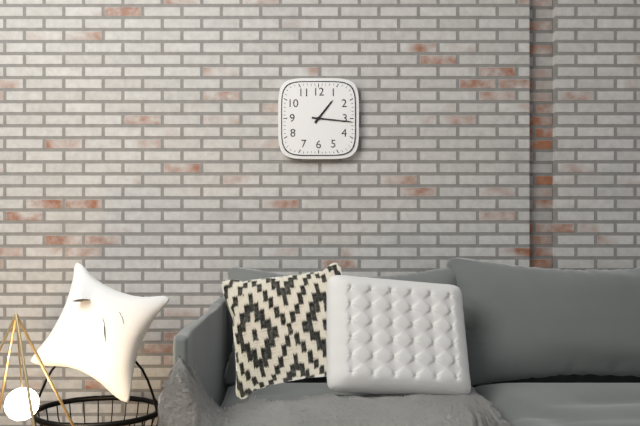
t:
1,16
